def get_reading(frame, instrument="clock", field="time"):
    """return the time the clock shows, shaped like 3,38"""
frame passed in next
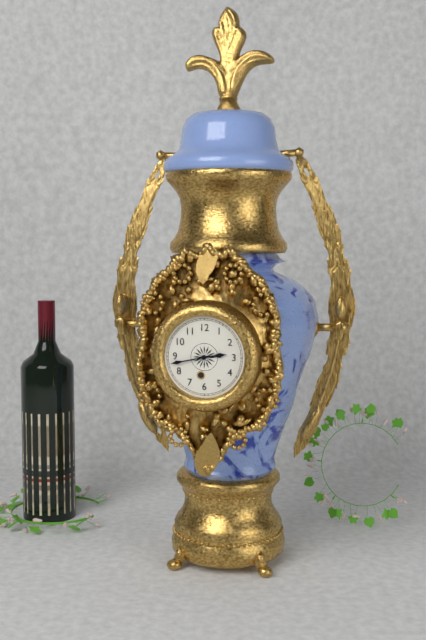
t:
2,43
